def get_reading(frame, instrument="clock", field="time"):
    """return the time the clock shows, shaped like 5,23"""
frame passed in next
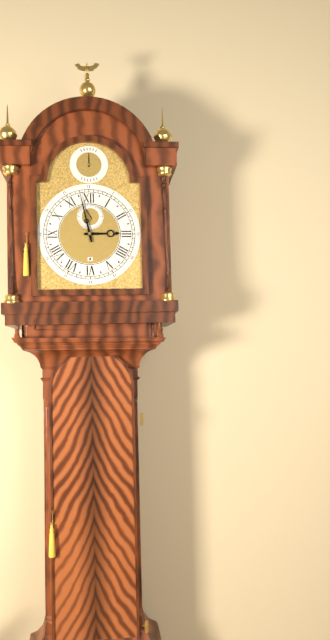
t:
2,58
